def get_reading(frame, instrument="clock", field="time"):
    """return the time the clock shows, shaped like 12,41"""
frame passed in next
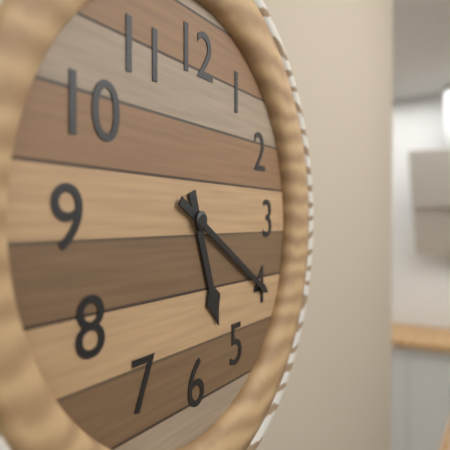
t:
5,20
